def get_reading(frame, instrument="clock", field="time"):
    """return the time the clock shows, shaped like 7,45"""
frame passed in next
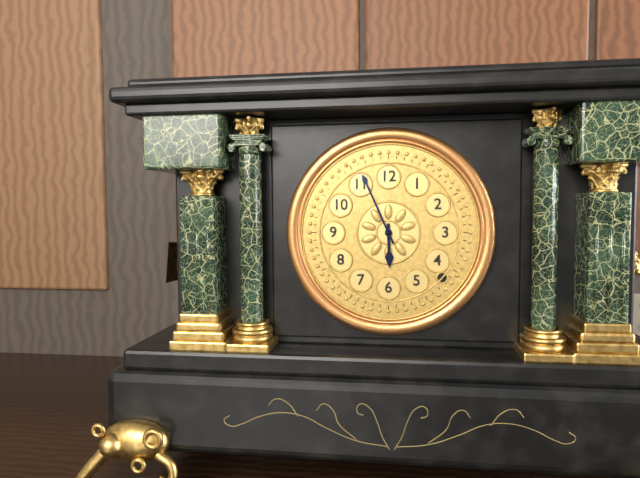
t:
5,56
